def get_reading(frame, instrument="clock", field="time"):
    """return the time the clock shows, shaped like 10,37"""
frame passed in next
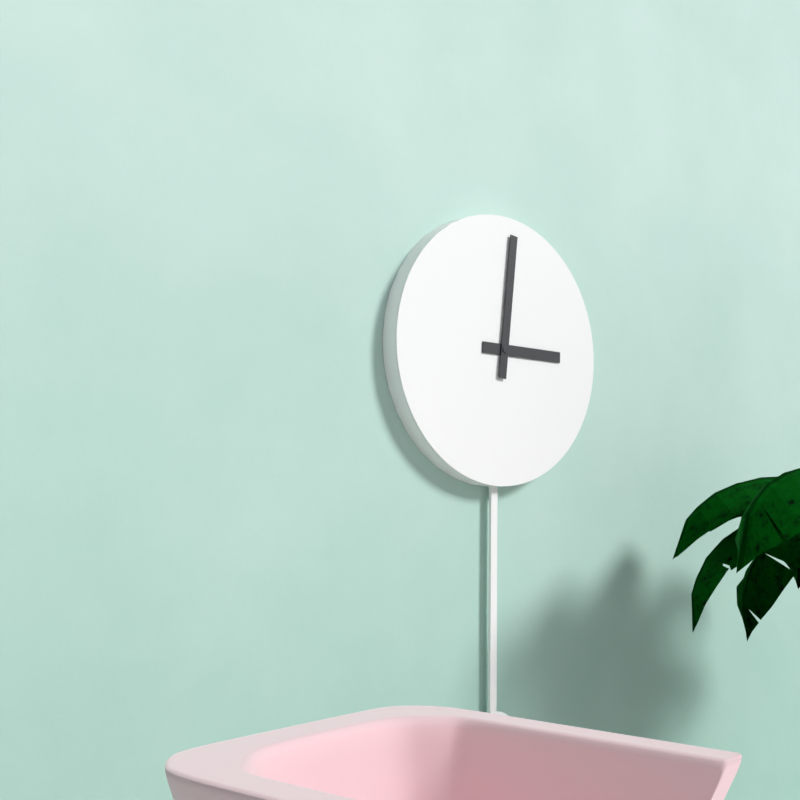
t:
3,01
